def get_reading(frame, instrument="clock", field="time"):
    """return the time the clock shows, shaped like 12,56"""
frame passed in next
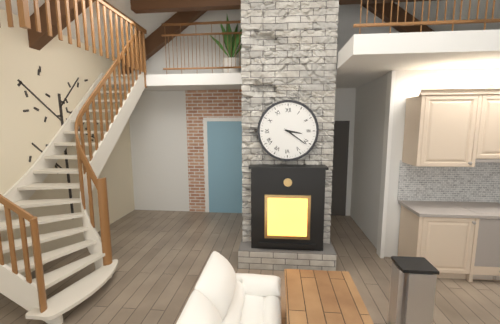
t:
3,21
